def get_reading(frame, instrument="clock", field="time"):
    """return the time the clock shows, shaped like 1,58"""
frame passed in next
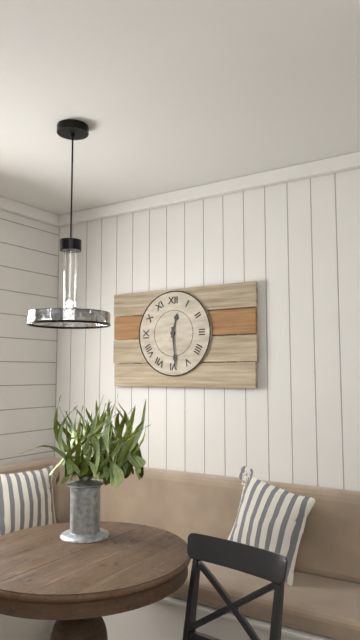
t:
12,29
